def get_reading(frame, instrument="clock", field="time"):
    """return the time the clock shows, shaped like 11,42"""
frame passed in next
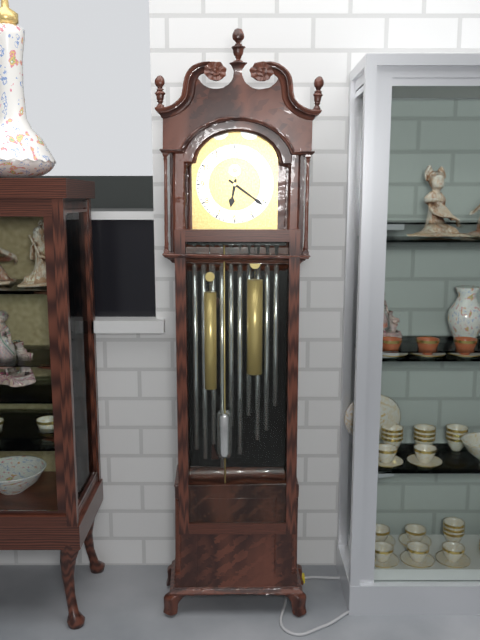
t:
6,21
